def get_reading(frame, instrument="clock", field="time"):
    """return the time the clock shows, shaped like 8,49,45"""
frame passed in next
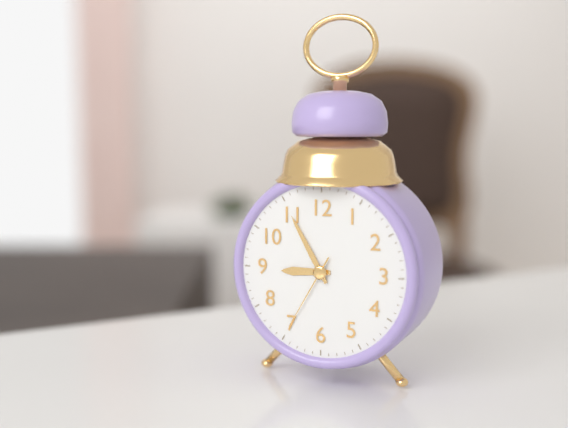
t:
8,55,35
